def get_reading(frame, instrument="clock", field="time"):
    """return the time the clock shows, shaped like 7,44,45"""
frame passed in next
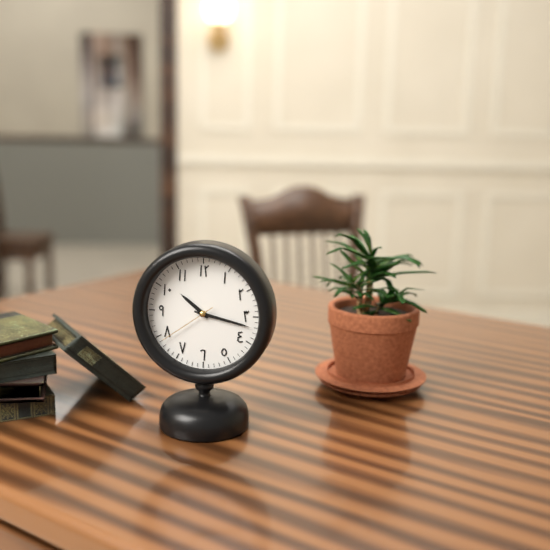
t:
10,17,39
